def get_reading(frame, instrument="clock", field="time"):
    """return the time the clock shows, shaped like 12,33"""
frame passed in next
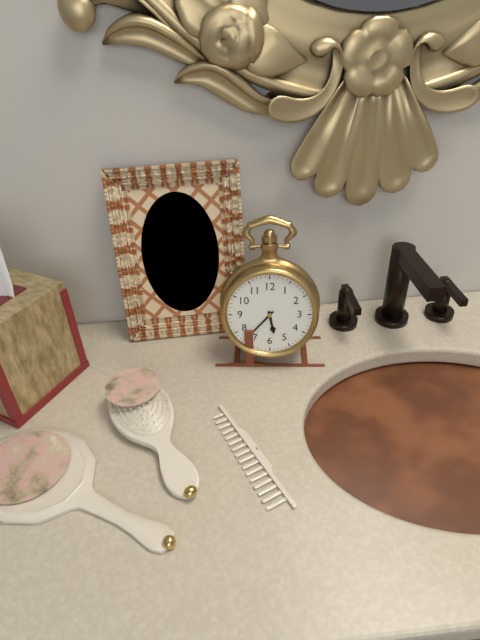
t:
5,37
